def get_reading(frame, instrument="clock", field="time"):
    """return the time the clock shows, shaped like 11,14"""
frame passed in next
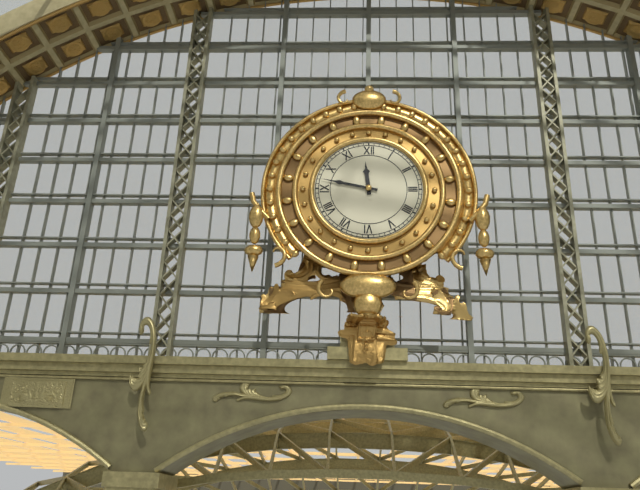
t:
11,47
